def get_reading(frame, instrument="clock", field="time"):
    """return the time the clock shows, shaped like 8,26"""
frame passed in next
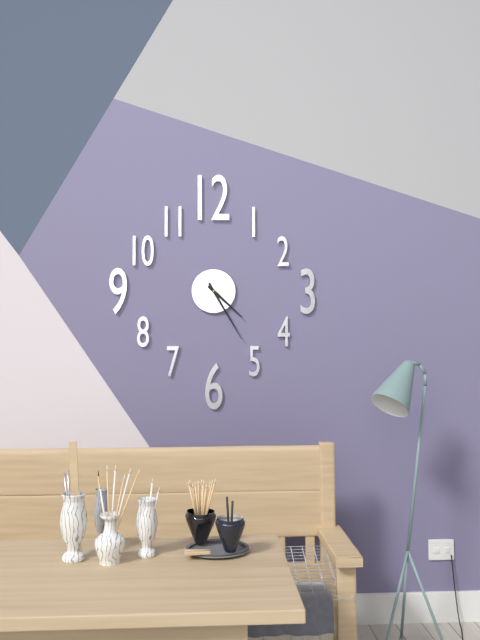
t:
4,25
